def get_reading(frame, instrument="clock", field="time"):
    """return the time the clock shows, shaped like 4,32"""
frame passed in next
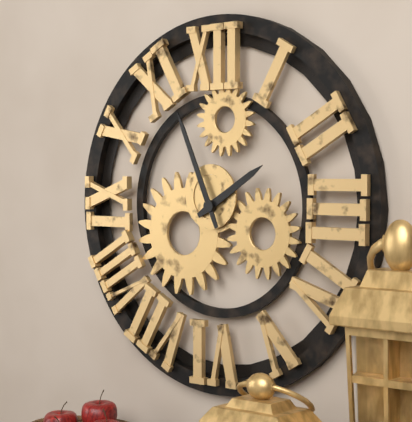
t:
1,56
